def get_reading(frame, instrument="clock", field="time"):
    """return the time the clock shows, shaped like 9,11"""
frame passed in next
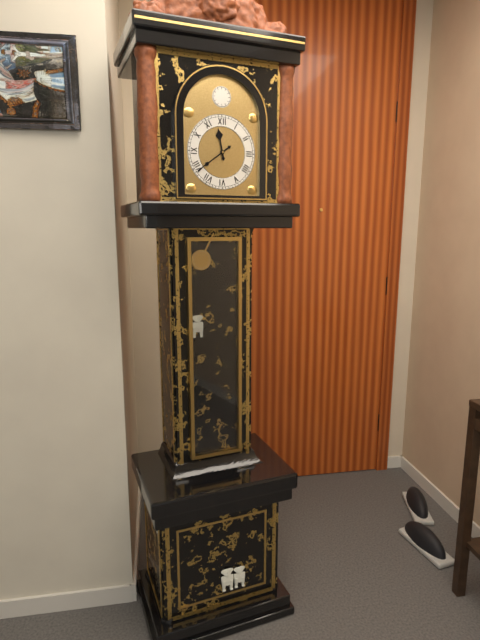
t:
11,39
